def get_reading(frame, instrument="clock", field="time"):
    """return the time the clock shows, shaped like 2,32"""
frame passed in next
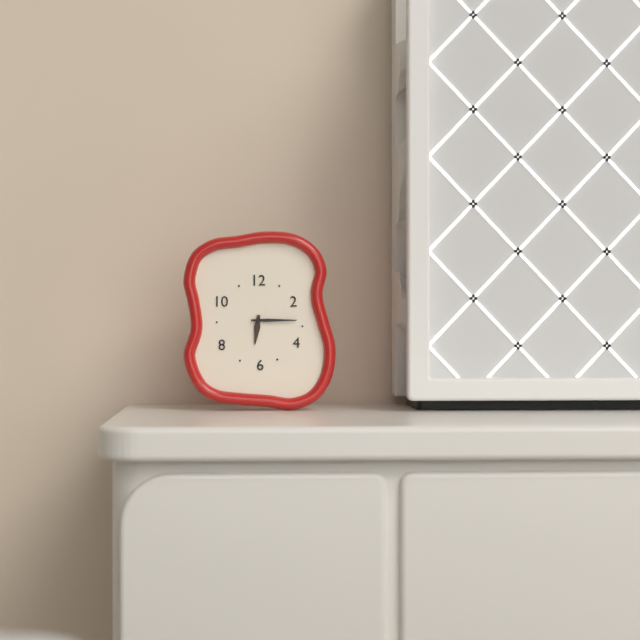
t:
6,15
